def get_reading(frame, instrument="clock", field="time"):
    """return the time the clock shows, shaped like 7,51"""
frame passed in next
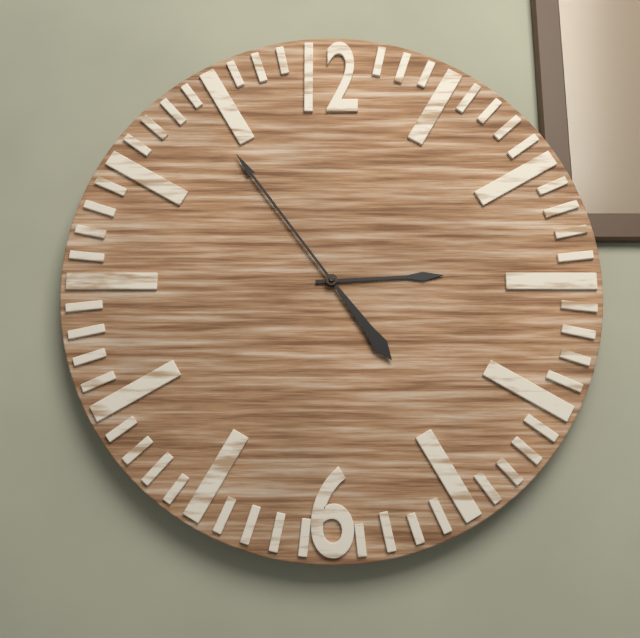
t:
2,54
